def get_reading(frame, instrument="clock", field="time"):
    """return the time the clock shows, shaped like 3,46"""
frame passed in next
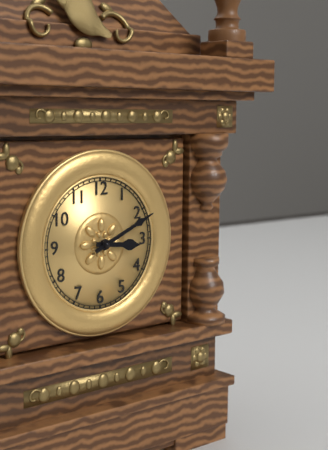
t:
3,11
